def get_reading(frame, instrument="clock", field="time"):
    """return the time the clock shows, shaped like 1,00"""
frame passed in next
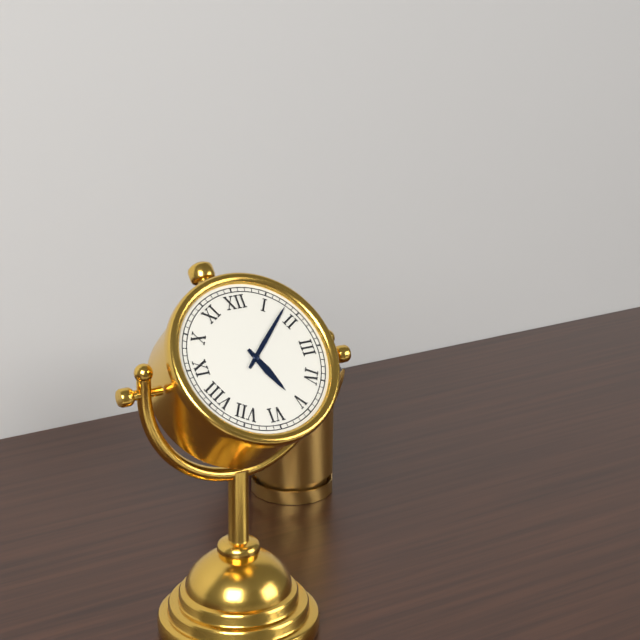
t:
5,08
